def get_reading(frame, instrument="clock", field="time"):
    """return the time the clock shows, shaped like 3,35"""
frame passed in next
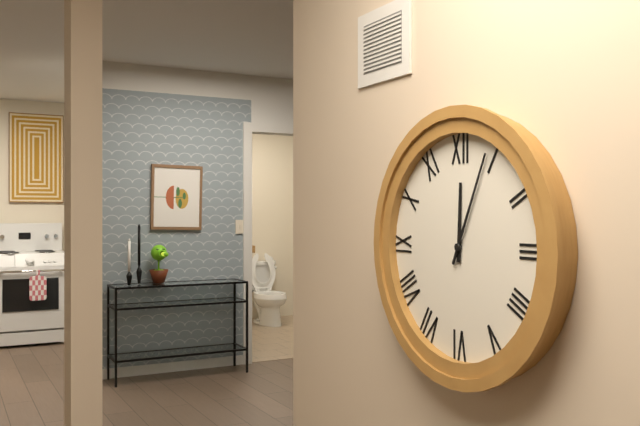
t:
12,04
